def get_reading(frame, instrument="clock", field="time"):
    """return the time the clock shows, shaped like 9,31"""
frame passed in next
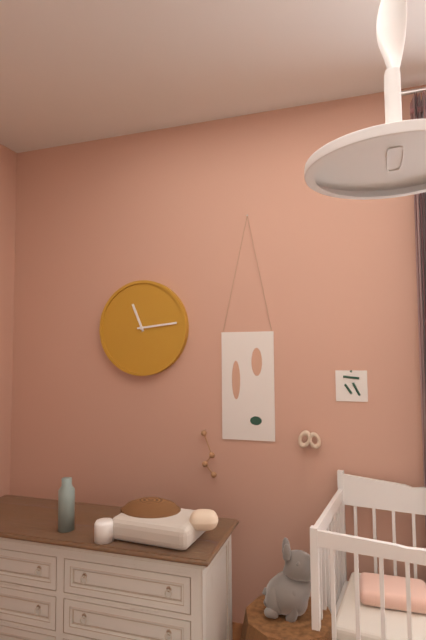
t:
11,14
